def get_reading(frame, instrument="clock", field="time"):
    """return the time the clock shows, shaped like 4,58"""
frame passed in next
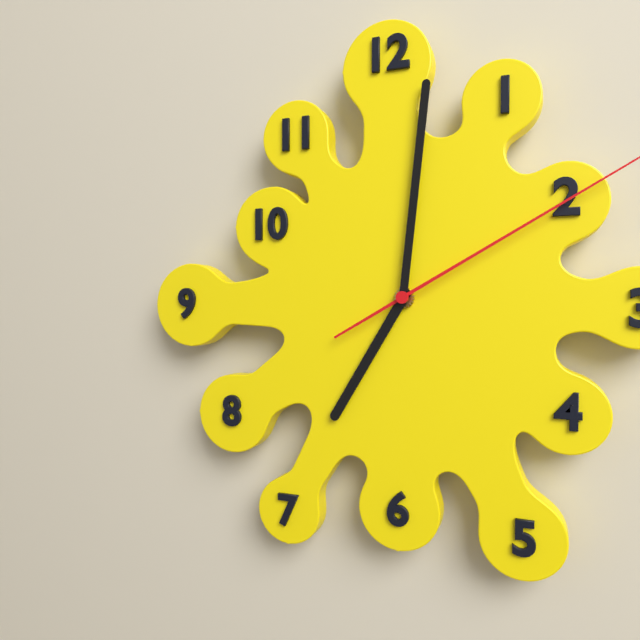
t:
7,01
